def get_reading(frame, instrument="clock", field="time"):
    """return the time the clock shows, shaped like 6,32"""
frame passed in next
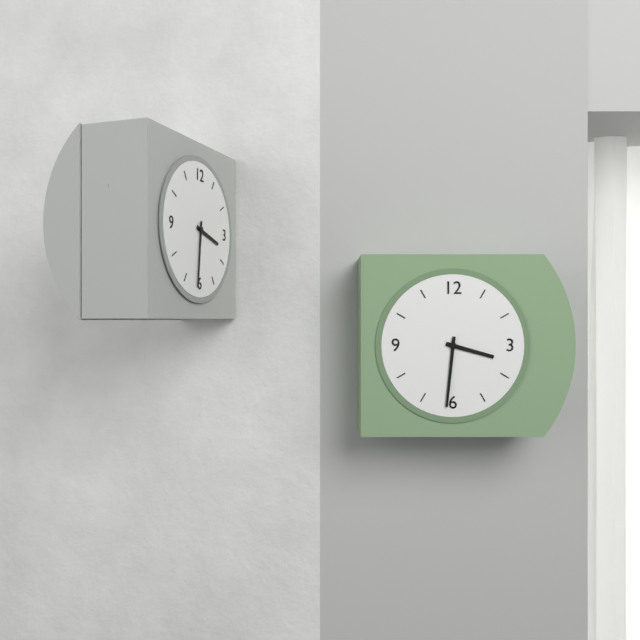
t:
3,31
